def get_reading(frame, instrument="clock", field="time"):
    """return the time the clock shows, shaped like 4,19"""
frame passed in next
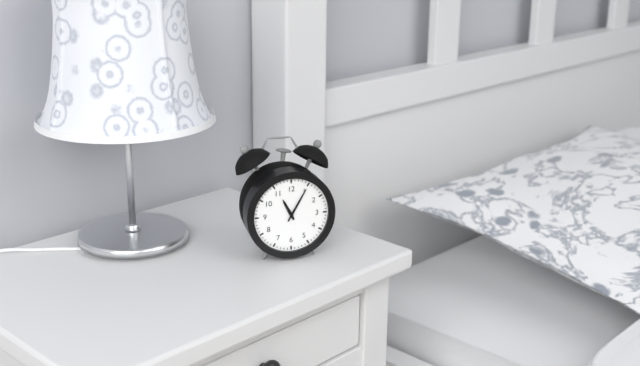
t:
11,05
